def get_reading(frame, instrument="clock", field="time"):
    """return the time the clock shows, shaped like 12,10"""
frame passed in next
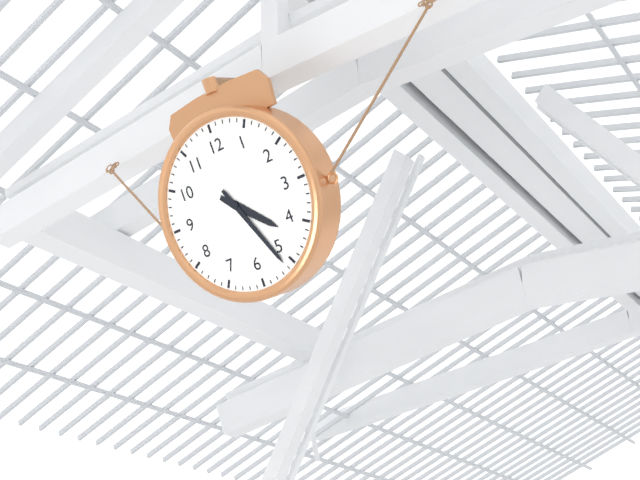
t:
4,26
